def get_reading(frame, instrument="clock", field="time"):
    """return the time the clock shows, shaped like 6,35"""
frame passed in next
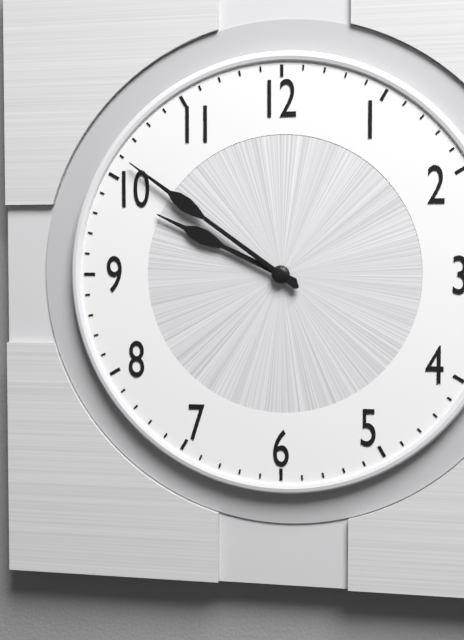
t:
9,51
